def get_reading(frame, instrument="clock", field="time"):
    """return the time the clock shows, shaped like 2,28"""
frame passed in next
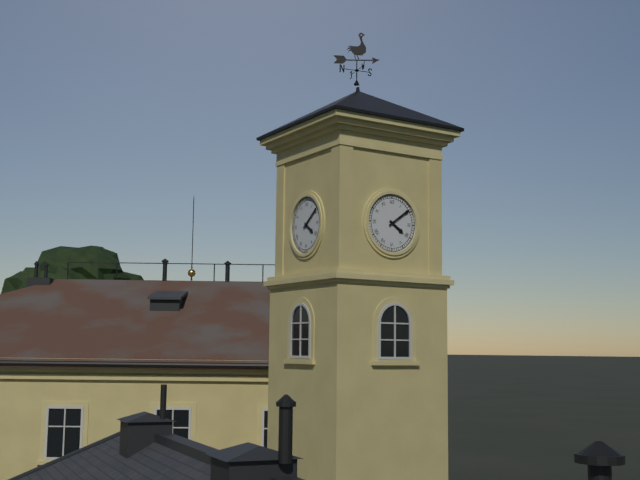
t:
4,09
